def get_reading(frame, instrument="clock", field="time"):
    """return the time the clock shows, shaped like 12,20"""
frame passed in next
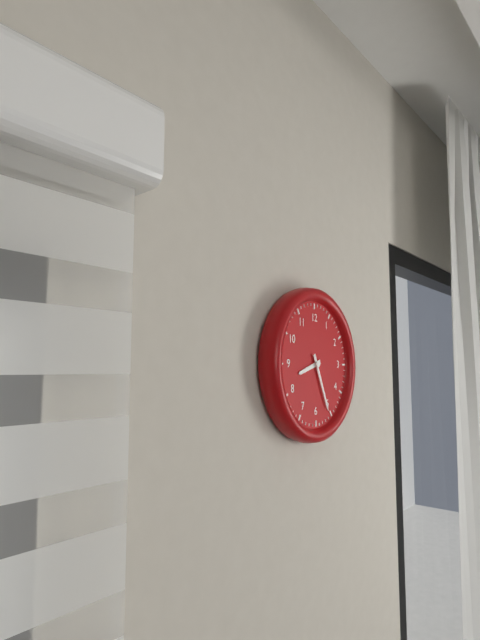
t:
8,26
